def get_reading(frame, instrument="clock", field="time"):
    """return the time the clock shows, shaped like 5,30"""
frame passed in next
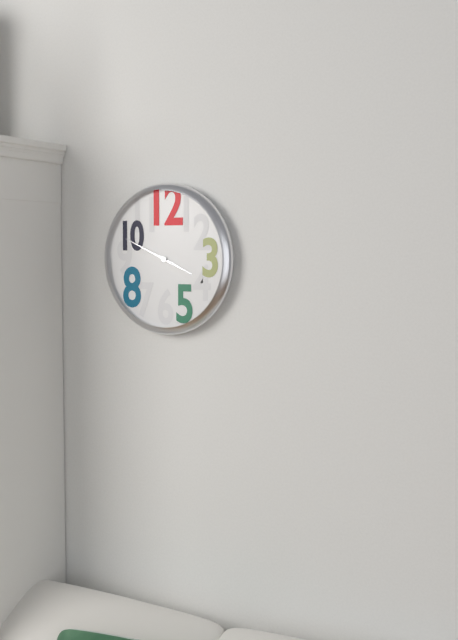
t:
3,49
